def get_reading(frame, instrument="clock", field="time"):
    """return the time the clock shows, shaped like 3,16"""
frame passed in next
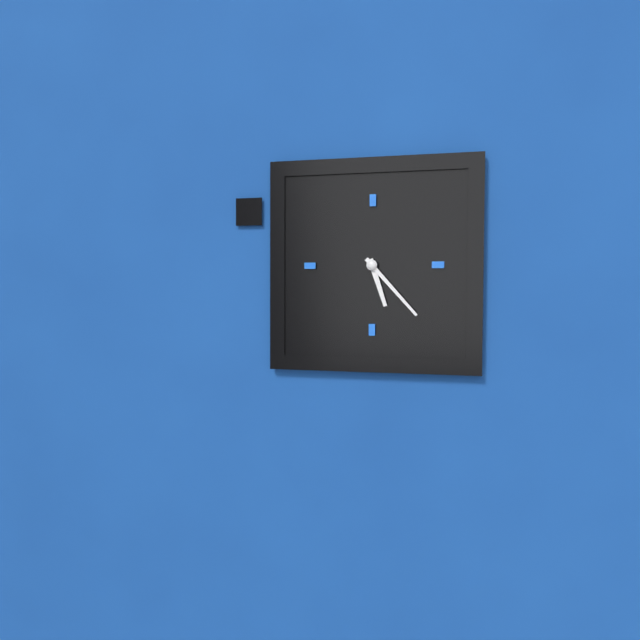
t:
5,23
